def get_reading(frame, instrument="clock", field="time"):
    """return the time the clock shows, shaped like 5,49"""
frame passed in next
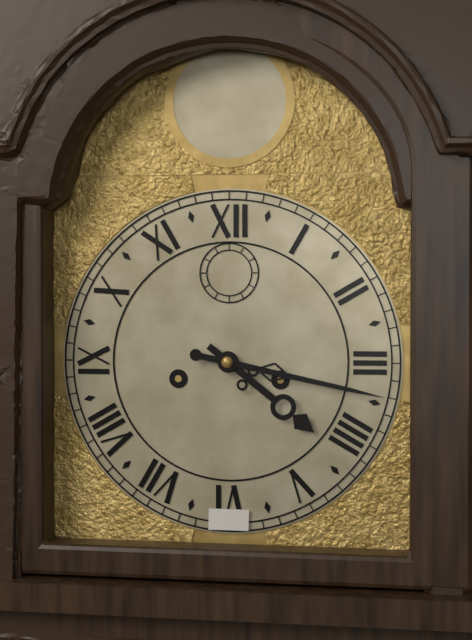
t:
4,17
